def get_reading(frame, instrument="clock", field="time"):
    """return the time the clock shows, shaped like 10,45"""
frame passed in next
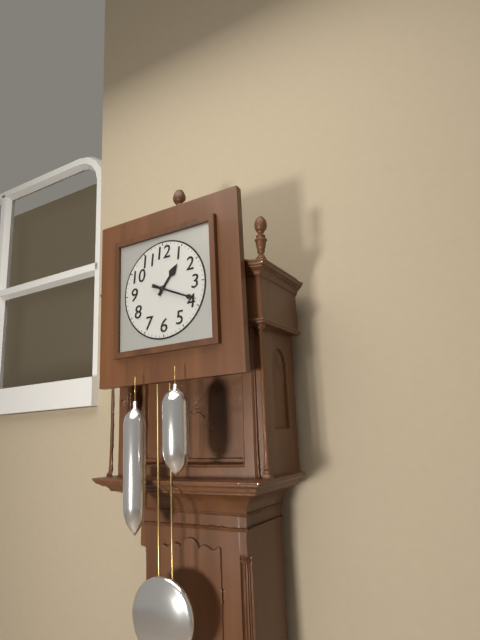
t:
1,19
